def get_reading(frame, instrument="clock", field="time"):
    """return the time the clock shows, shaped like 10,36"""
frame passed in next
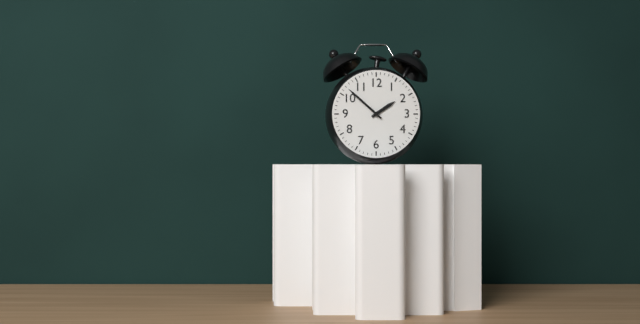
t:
1,52
